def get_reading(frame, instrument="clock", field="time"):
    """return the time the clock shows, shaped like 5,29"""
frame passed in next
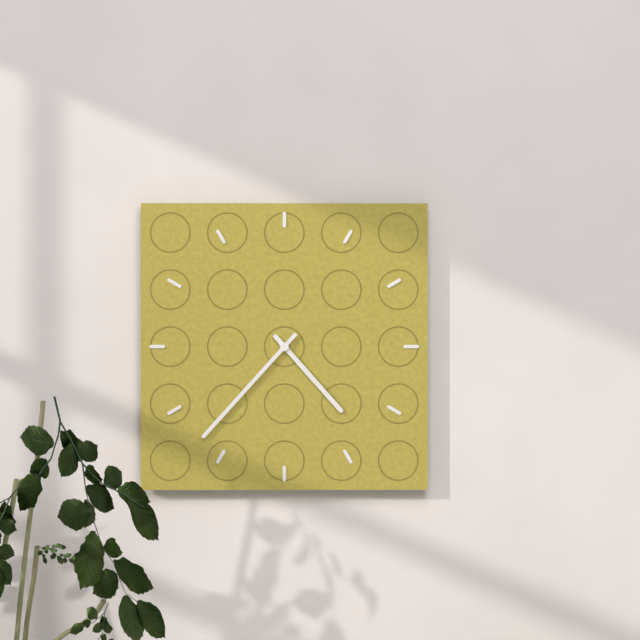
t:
4,37
